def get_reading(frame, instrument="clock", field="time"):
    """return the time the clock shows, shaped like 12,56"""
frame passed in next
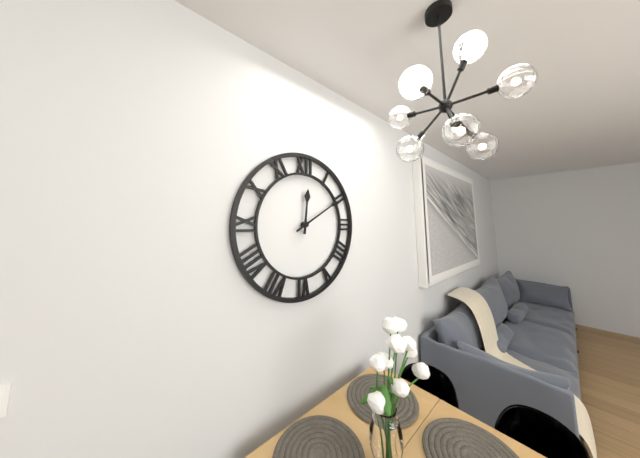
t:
12,10
